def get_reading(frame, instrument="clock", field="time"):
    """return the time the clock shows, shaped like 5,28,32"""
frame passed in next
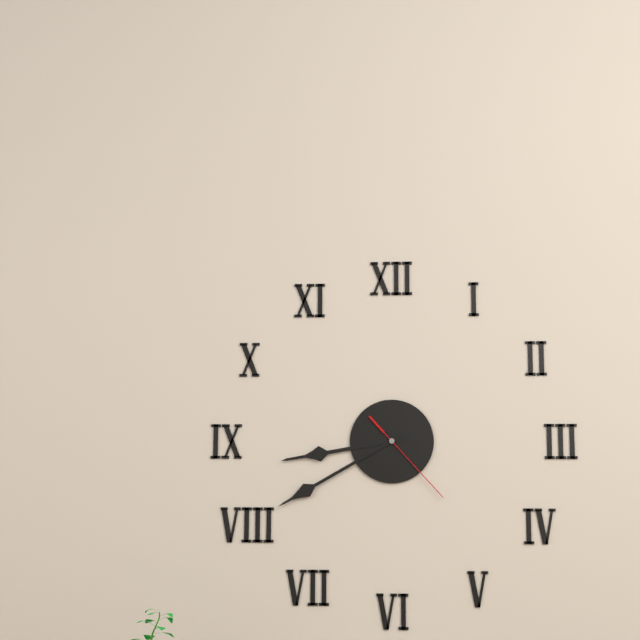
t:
8,40,23
